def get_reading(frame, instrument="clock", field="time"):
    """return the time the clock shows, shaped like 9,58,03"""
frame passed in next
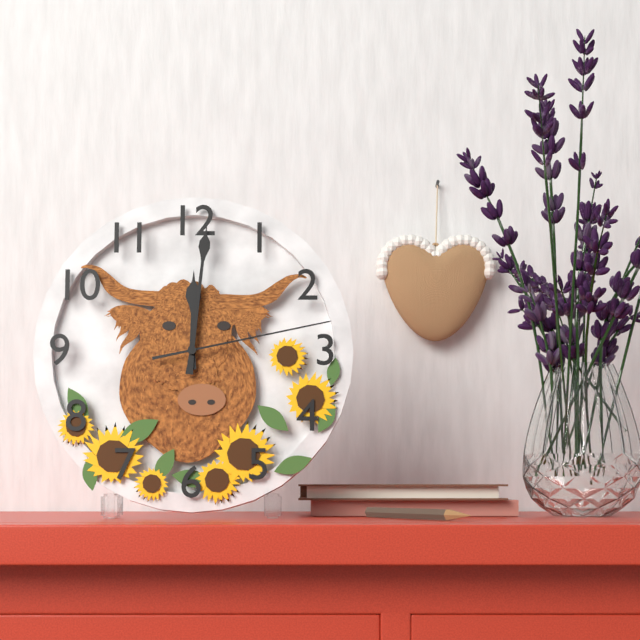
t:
12,01,13
